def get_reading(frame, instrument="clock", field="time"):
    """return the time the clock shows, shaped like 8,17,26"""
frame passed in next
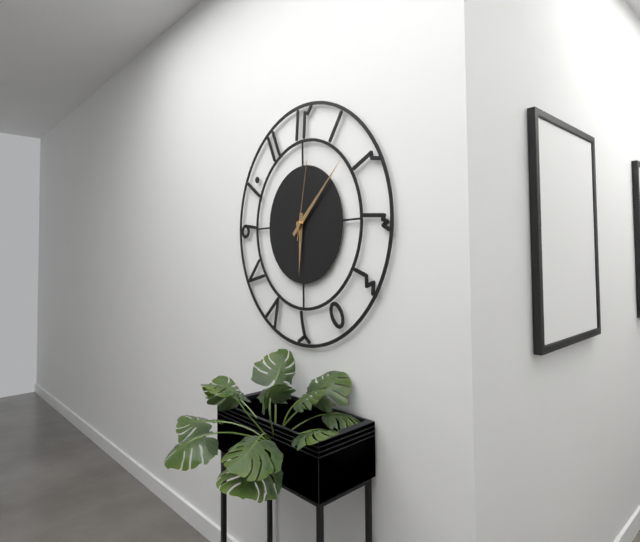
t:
6,08,02
